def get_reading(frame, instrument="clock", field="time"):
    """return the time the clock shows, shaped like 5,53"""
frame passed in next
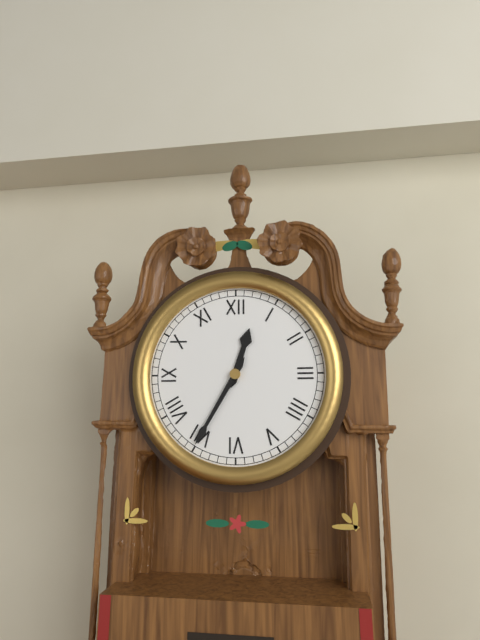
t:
12,35
